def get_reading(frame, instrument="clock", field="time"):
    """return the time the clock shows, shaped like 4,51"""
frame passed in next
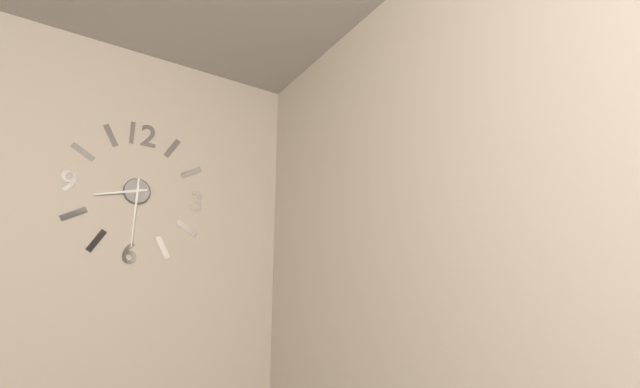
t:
8,30
